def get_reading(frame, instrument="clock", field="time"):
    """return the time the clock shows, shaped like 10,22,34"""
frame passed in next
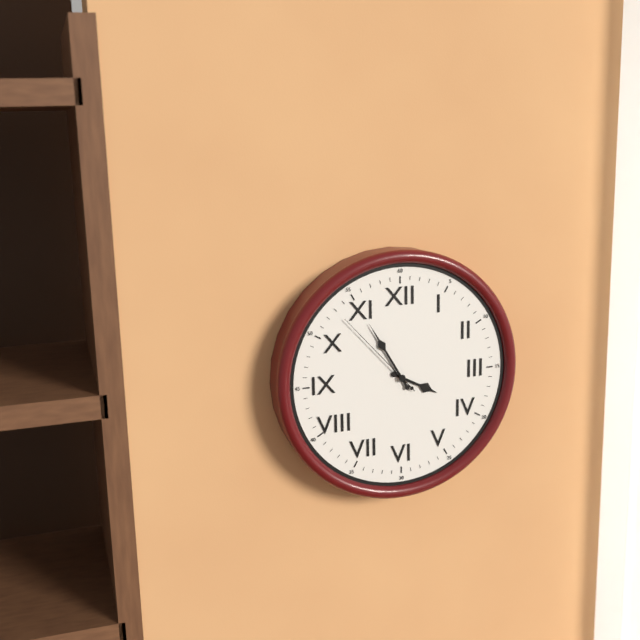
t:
3,55,53
